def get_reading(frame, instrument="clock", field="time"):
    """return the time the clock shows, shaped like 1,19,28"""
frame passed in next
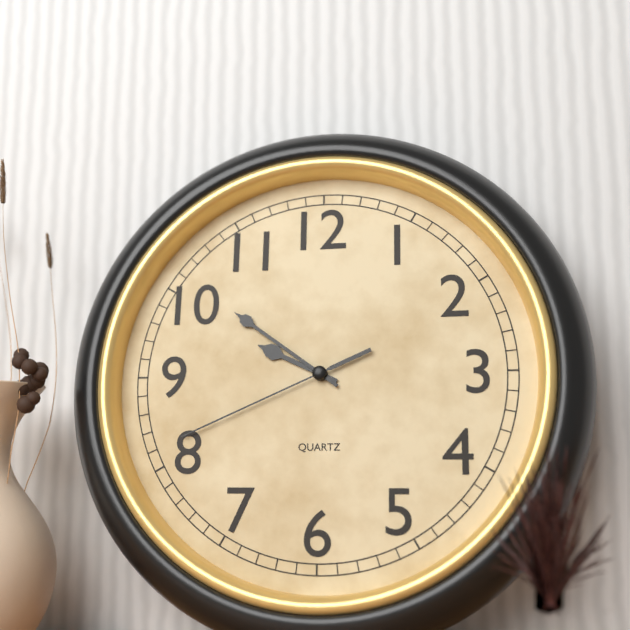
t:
9,51,41
